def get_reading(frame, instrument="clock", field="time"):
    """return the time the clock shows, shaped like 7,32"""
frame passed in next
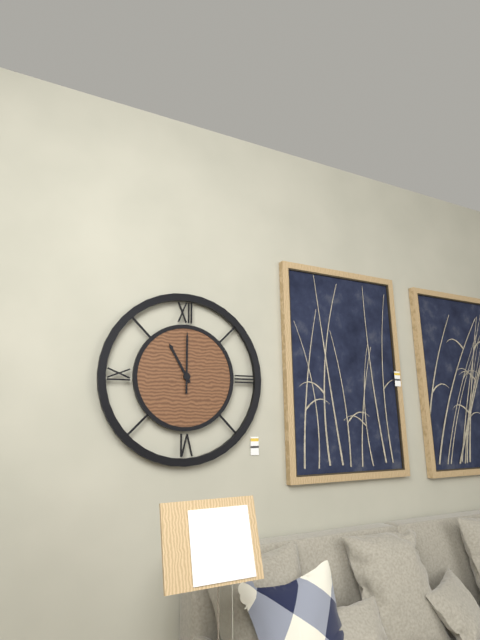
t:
11,00
